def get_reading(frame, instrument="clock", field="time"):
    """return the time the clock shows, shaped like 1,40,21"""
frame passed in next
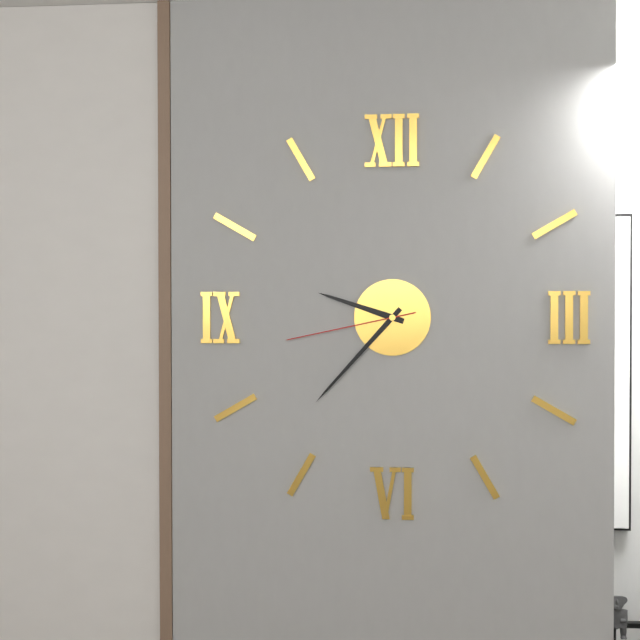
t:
9,37,43
